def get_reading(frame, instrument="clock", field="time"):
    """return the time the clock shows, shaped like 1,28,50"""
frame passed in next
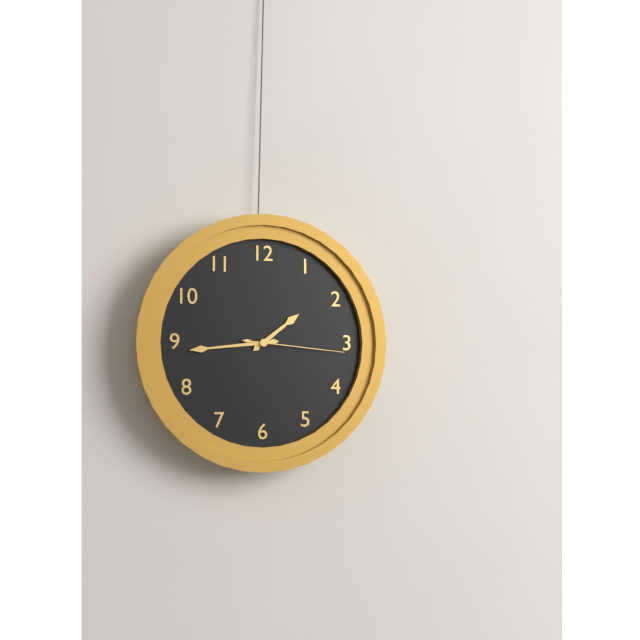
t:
1,44,16
